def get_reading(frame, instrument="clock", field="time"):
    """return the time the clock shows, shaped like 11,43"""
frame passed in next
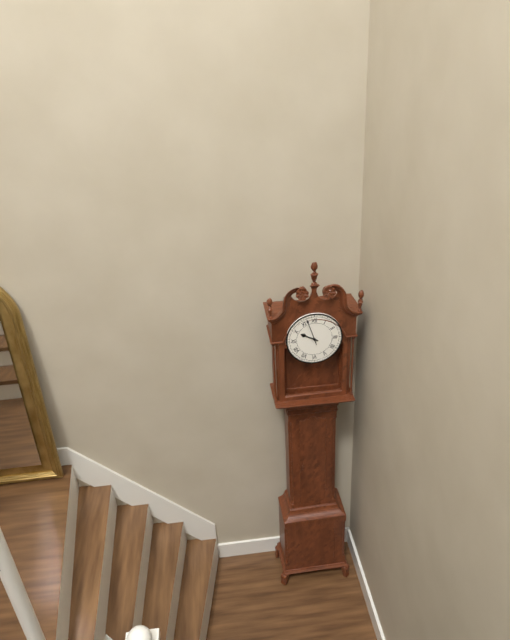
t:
9,57
